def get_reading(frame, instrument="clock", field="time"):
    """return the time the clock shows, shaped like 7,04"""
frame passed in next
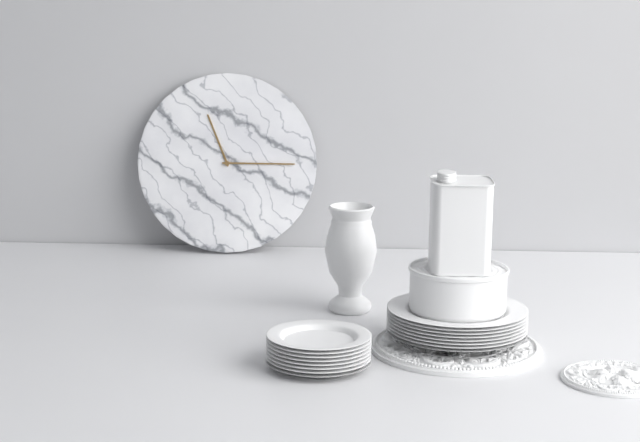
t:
11,15
